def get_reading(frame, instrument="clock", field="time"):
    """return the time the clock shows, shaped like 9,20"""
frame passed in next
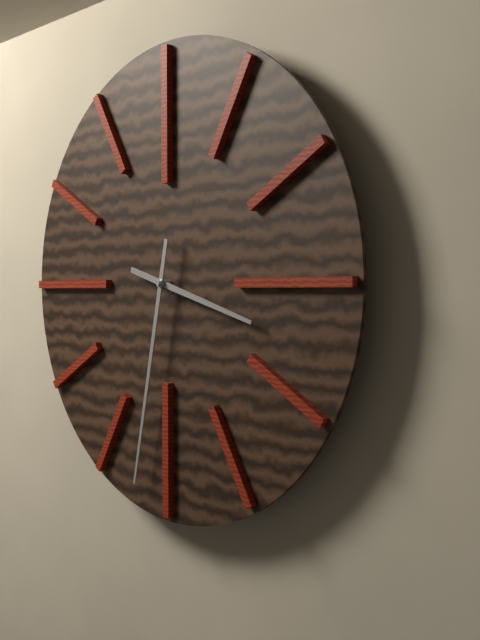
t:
3,32
